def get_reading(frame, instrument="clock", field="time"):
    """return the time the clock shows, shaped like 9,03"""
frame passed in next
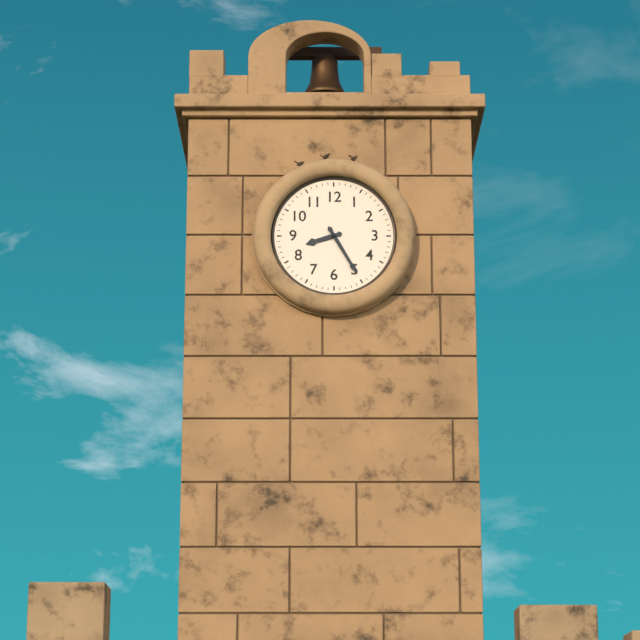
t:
8,25
